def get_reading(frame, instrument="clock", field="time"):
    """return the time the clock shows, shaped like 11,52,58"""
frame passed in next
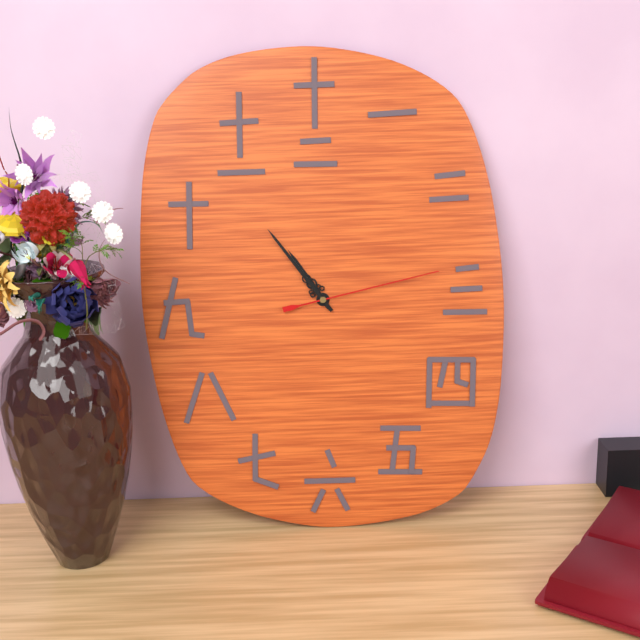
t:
10,54,13
